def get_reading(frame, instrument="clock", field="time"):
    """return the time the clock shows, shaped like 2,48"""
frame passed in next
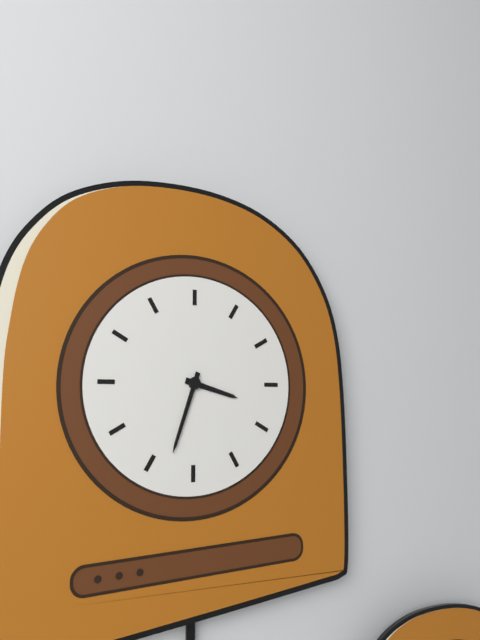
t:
3,33
